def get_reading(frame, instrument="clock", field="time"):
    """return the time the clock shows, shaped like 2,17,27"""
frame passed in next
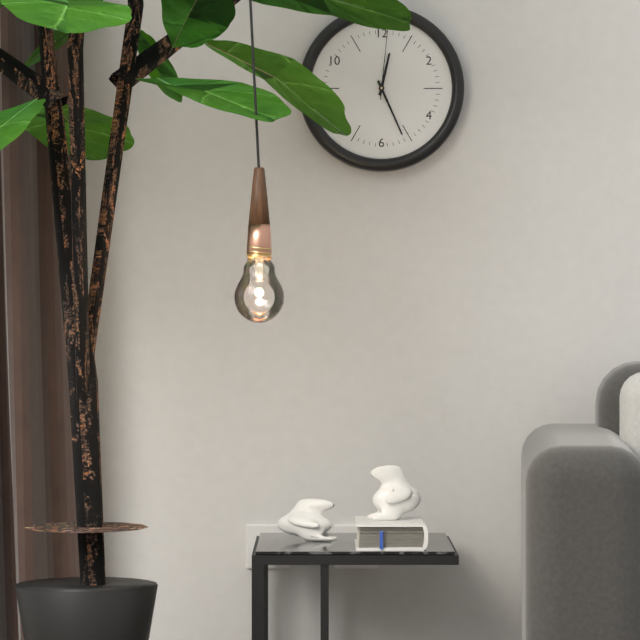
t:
12,26,01
